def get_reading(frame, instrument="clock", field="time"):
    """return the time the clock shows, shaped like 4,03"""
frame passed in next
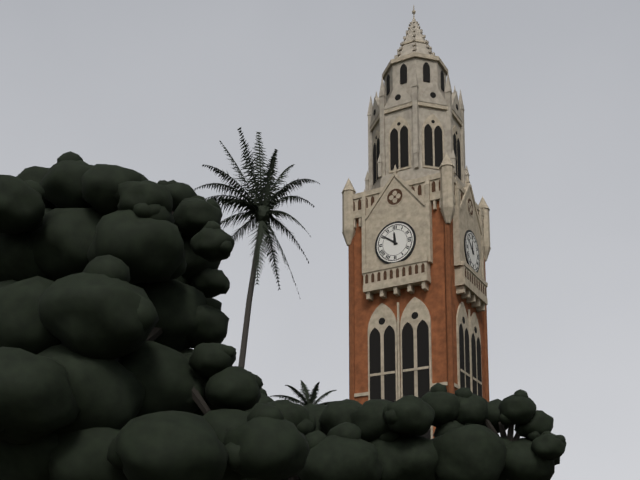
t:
11,51
